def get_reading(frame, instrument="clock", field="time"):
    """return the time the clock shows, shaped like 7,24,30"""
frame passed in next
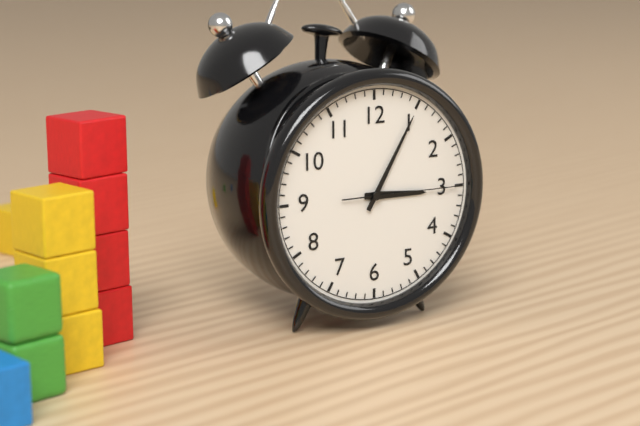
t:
3,05,15
